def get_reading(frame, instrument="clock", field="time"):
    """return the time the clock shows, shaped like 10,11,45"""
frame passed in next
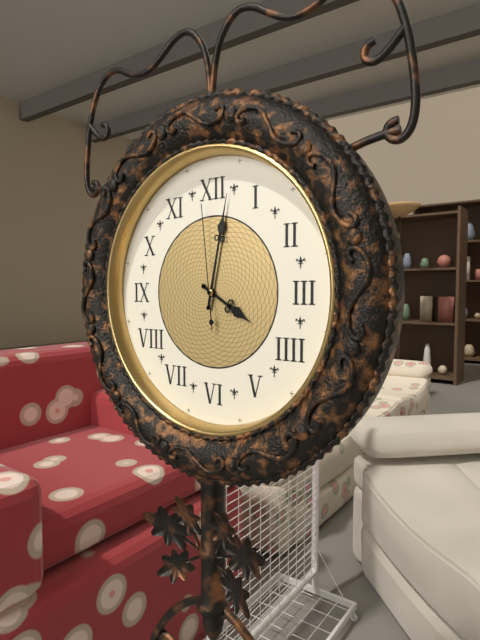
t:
4,02,59
